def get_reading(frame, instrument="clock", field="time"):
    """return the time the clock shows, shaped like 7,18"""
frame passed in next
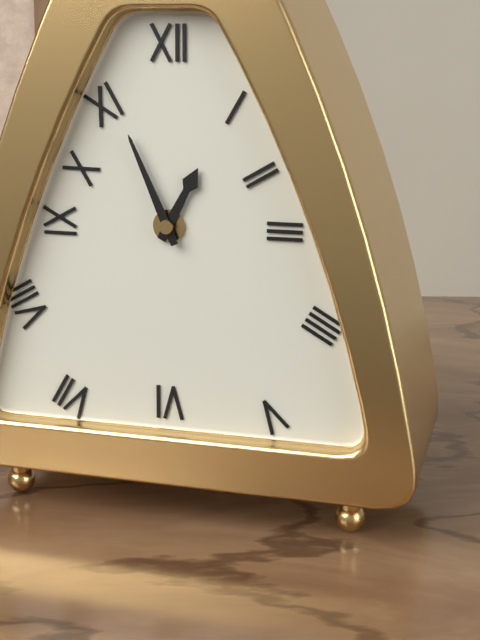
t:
12,56
